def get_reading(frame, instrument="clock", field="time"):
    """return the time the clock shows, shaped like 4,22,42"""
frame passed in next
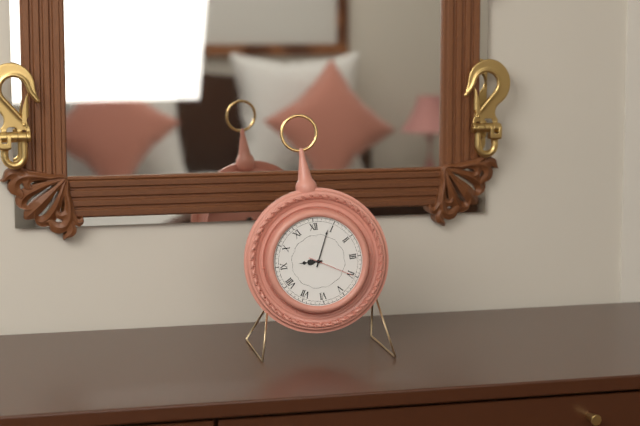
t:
9,04,20
